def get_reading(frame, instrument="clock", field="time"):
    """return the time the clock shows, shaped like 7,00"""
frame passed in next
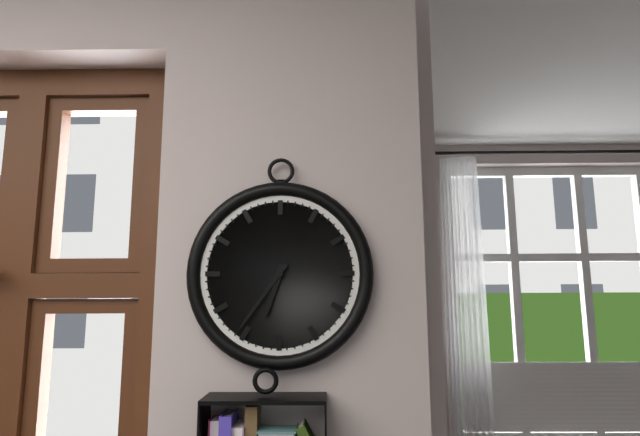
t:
6,36
